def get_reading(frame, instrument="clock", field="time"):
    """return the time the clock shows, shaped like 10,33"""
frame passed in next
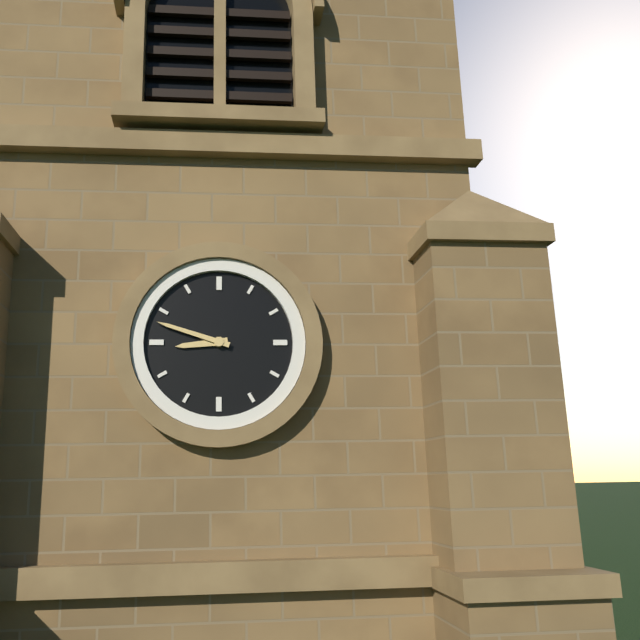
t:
8,48
